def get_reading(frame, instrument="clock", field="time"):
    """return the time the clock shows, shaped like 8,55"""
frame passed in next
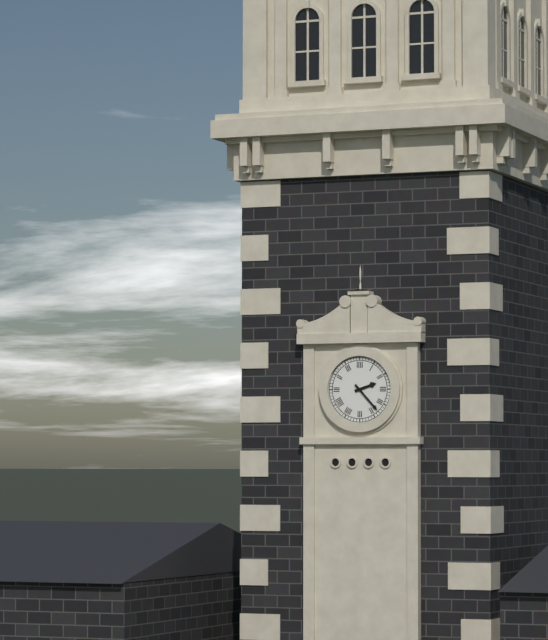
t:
2,23
